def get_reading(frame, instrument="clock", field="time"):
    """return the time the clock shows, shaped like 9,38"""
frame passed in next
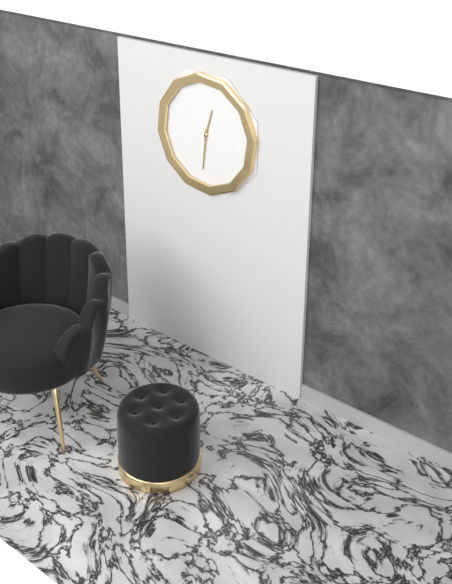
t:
12,31
